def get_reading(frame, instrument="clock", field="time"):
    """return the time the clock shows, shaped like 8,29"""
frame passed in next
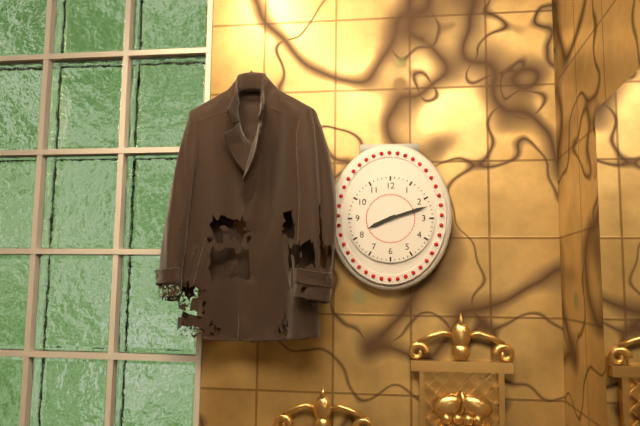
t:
8,12
